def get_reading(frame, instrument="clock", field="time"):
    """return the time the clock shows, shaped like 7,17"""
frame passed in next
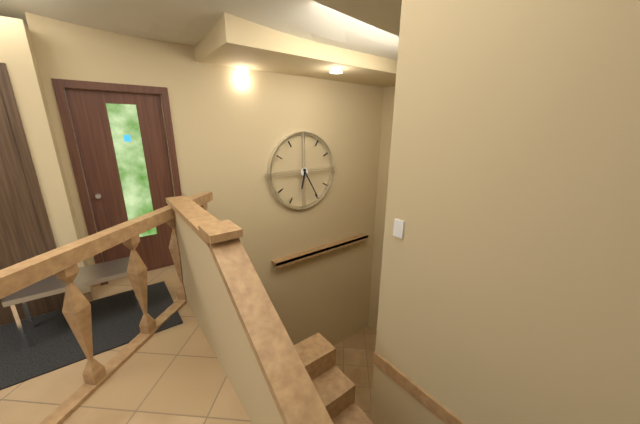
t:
6,25
